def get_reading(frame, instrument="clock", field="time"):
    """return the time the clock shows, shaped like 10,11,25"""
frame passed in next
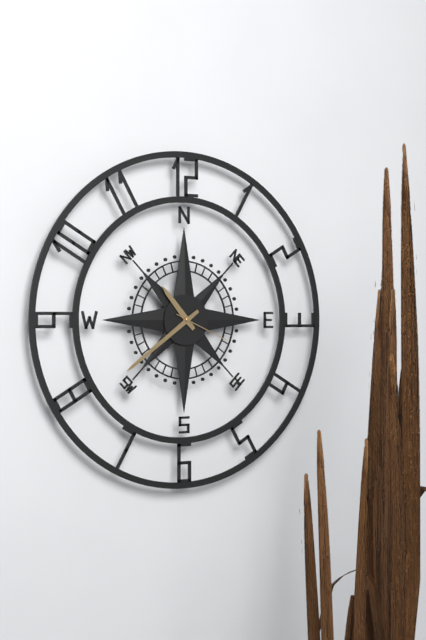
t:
10,39,19
